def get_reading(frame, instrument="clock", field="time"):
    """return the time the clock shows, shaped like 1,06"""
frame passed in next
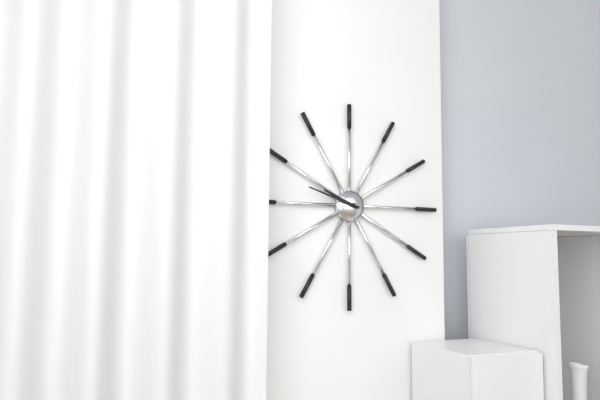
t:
9,48
